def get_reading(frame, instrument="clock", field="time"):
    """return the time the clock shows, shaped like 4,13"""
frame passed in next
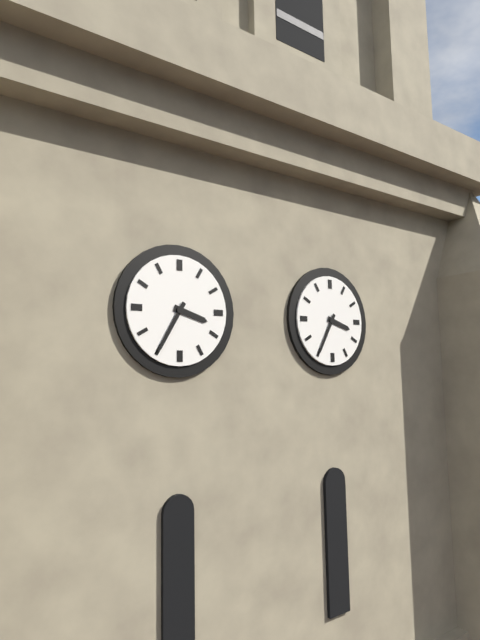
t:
3,35
